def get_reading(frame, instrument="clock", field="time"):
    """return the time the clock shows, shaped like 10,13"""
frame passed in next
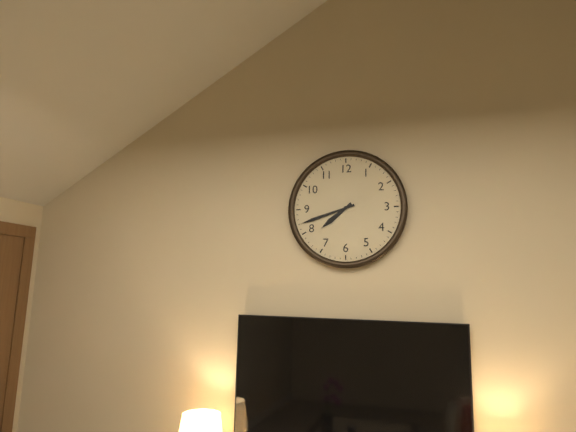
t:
7,42
